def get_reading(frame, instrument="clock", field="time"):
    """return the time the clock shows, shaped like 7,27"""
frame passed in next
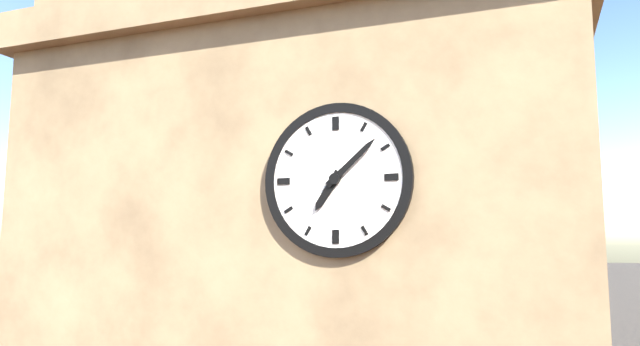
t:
7,08
